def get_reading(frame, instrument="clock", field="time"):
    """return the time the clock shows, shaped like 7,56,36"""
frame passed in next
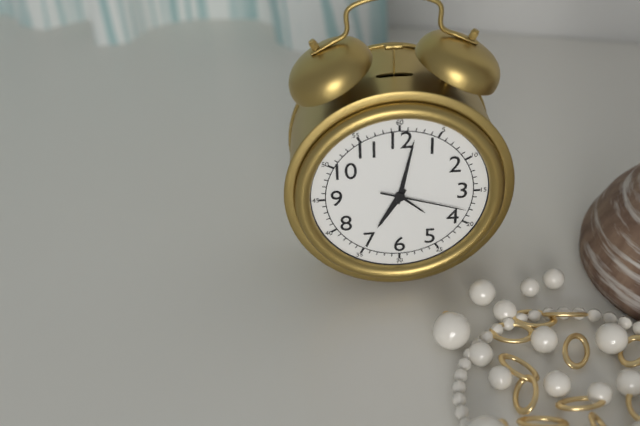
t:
7,02,18
